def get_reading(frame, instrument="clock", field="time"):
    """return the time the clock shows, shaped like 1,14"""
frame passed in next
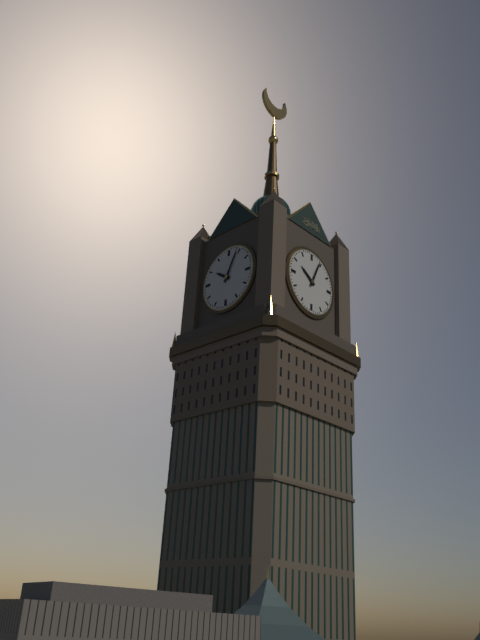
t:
10,04
